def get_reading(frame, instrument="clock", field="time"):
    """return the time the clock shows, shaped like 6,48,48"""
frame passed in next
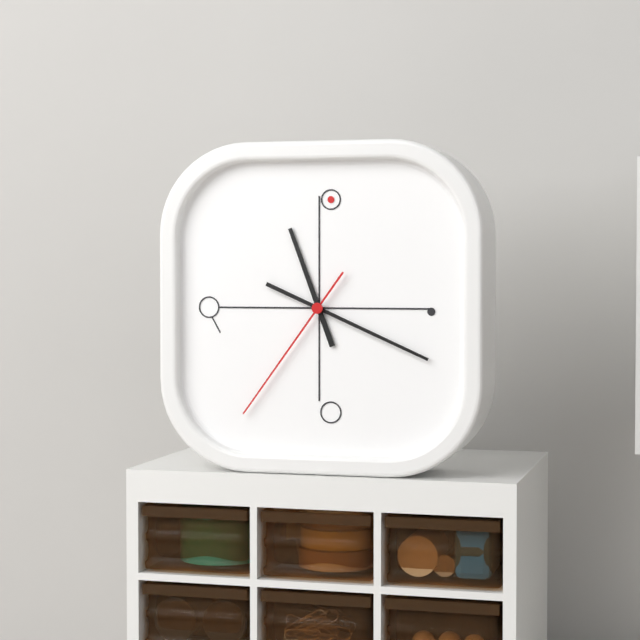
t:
11,19,36
